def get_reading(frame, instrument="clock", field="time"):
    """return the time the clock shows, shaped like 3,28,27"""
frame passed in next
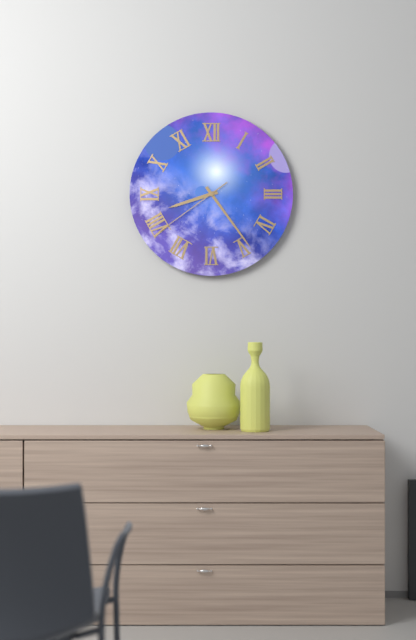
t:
8,24,39
